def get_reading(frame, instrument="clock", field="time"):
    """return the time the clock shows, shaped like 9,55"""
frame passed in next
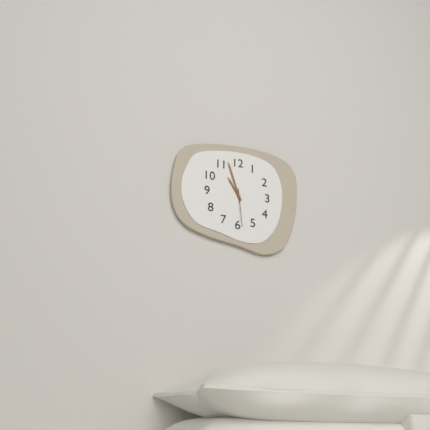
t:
10,57
